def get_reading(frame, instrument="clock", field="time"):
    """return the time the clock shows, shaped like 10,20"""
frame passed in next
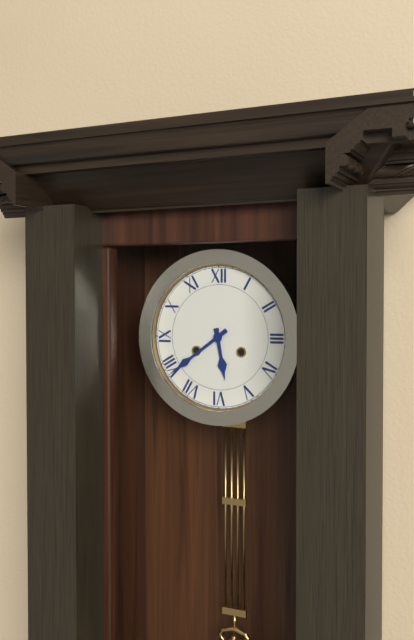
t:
5,39
